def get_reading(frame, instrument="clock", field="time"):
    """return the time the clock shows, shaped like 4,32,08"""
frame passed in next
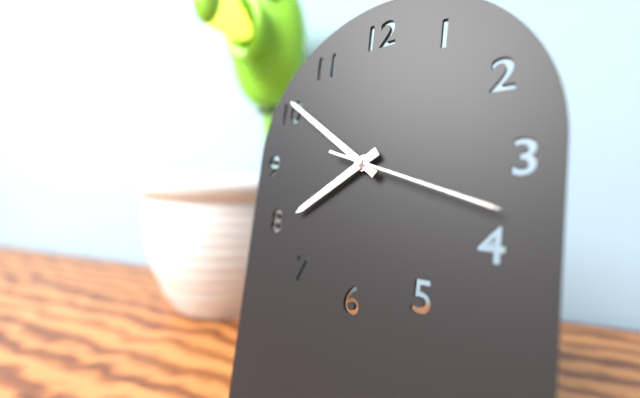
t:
7,51,18
